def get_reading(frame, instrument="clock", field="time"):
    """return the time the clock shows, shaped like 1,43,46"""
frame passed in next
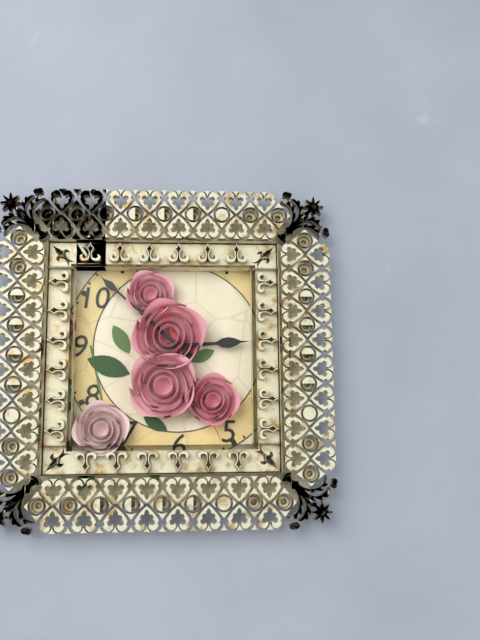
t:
2,52,26
